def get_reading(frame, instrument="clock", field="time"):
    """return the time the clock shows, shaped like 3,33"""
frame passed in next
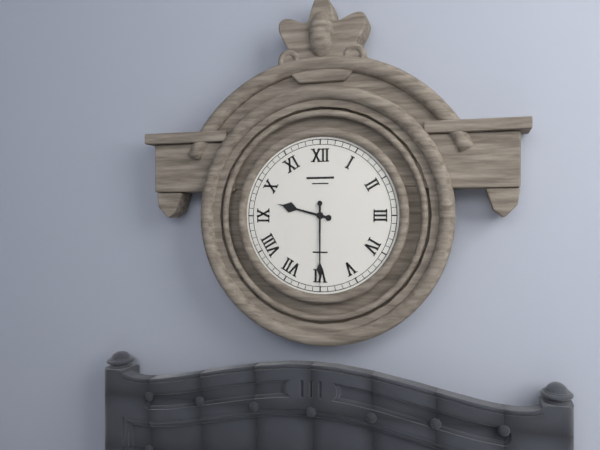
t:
9,30
